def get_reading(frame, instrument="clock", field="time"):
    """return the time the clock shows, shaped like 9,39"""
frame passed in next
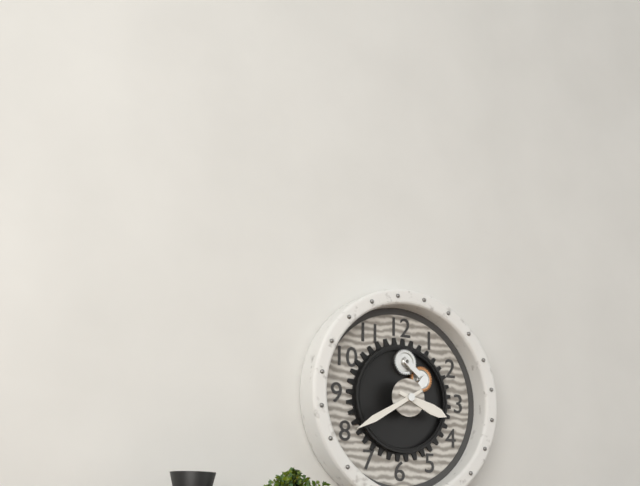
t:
3,40
